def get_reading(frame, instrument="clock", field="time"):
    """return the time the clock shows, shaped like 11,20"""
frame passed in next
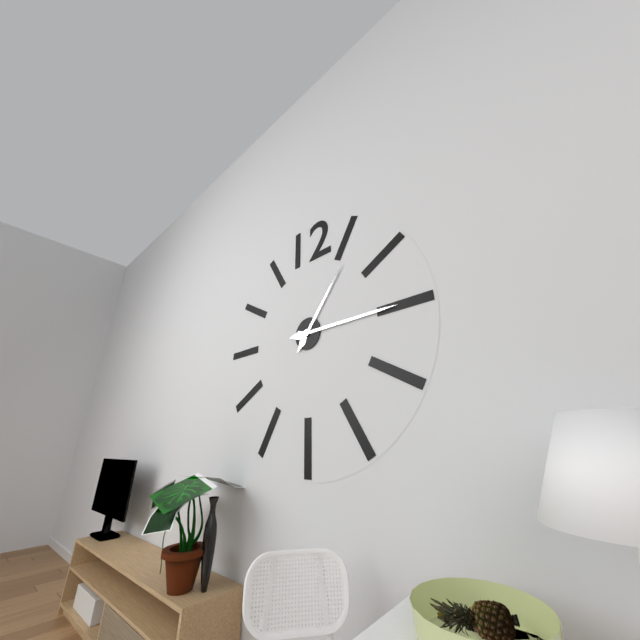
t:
1,15
